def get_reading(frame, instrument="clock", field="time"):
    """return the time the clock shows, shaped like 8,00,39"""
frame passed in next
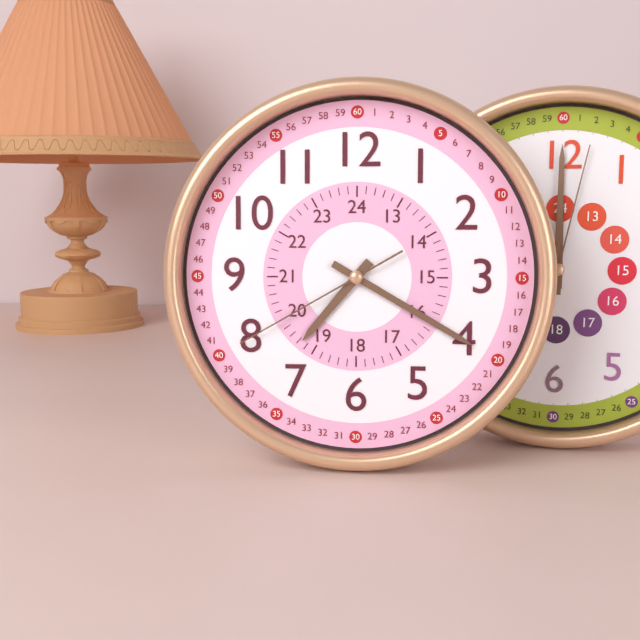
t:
7,20,40
